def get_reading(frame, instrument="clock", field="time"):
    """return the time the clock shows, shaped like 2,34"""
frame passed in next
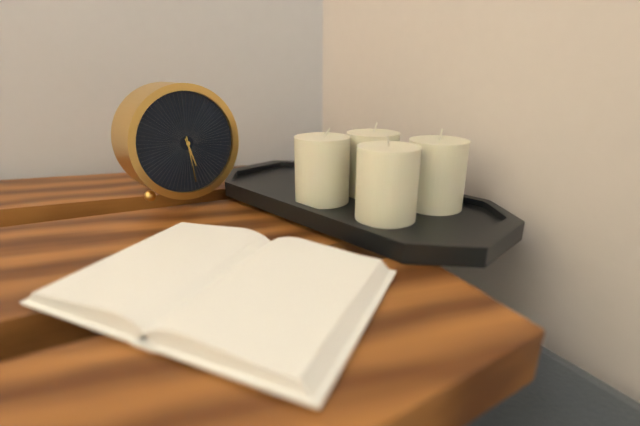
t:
5,29
